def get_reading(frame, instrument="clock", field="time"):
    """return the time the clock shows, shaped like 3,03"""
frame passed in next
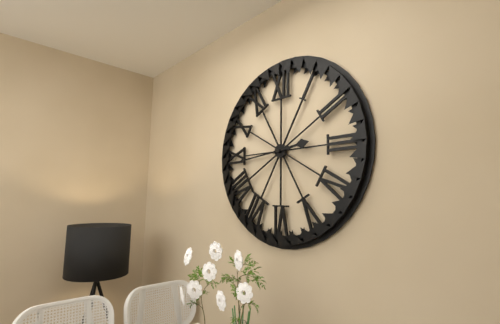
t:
2,44
